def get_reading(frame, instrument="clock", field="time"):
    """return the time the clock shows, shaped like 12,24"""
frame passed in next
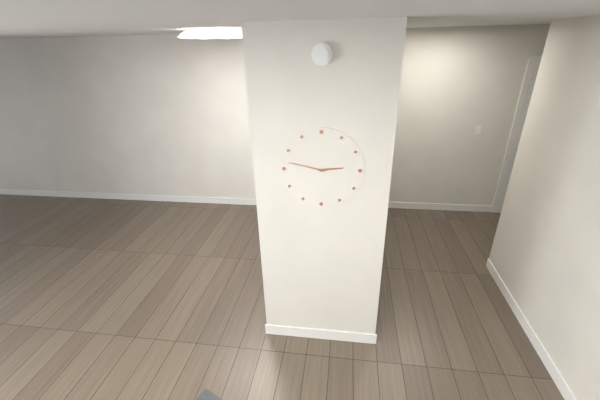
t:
2,47
